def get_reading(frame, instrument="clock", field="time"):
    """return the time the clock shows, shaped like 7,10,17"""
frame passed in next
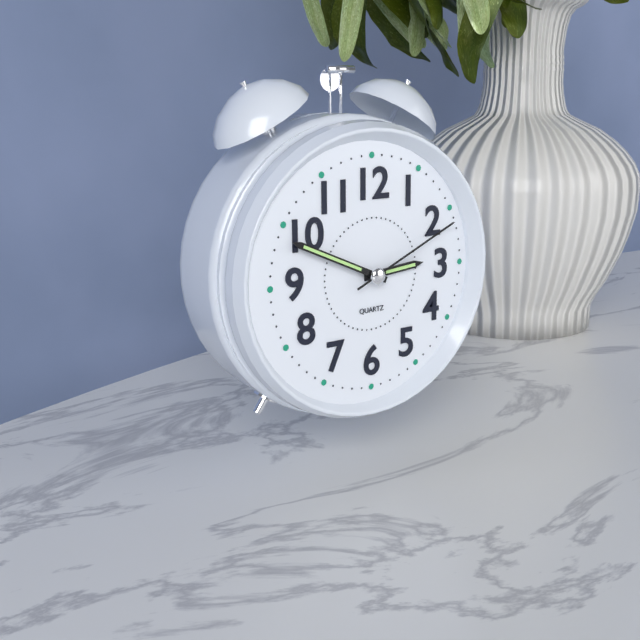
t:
2,49,11
